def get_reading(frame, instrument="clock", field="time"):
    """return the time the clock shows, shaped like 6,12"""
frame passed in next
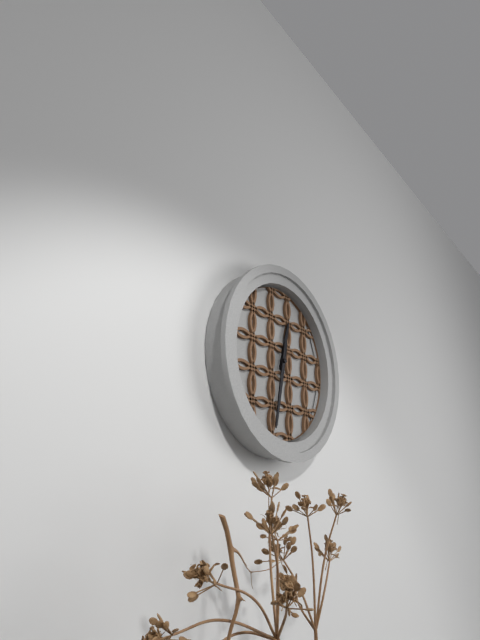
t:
12,32
